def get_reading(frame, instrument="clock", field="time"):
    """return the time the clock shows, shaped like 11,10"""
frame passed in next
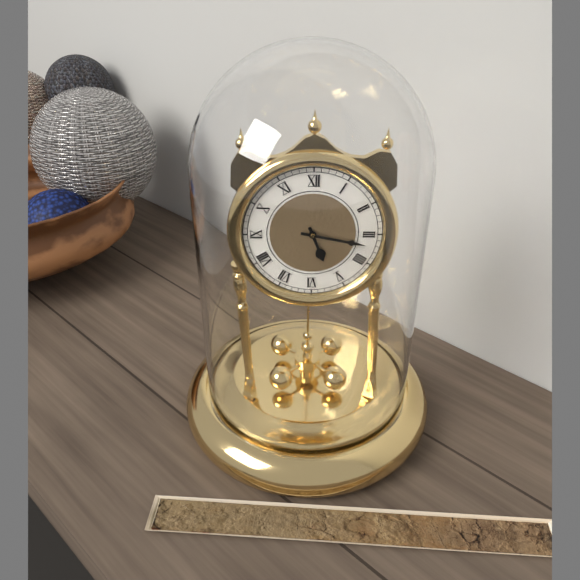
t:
5,17
